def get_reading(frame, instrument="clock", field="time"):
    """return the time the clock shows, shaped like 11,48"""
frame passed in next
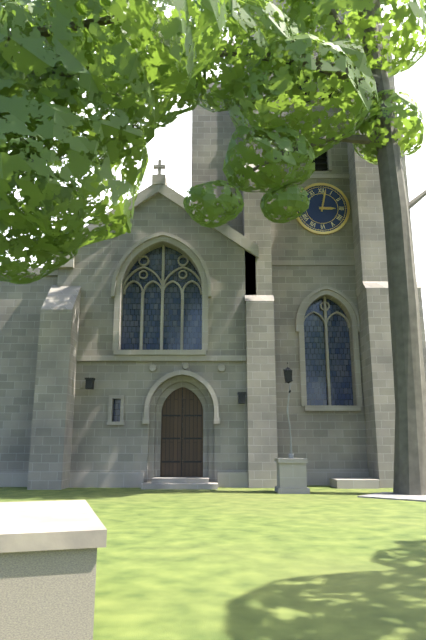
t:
3,02
